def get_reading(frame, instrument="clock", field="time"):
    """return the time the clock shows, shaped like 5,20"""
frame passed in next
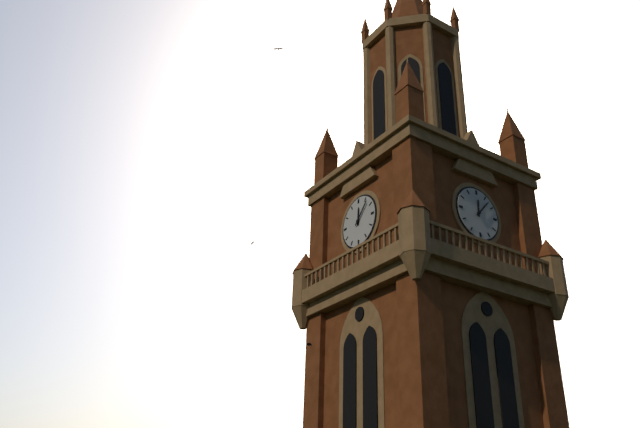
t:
12,07
